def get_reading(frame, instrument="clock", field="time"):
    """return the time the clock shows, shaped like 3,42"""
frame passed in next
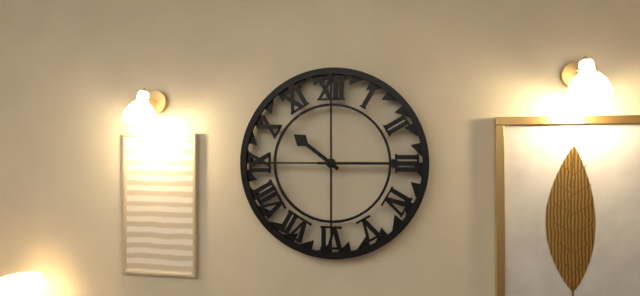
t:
10,15
